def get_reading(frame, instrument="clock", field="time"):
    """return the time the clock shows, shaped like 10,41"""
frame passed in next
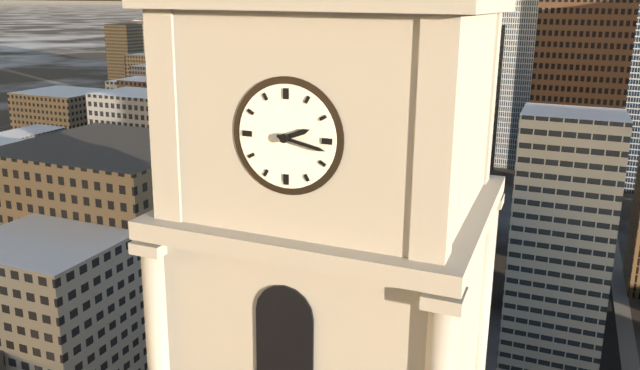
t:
2,17
